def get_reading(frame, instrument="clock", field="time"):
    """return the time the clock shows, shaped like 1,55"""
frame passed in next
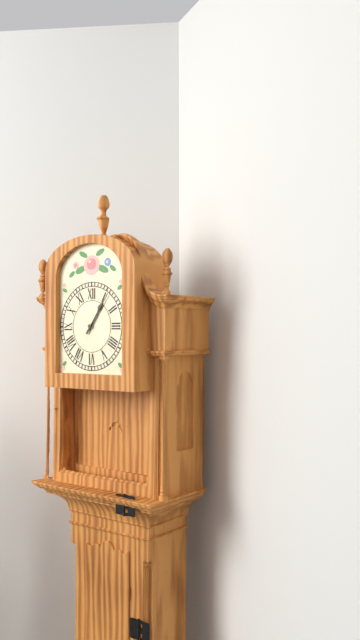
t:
1,06
